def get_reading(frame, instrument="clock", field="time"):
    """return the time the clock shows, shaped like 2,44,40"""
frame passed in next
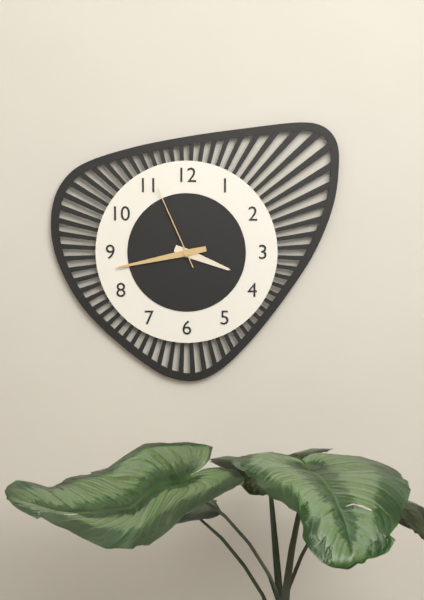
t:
3,43,56
